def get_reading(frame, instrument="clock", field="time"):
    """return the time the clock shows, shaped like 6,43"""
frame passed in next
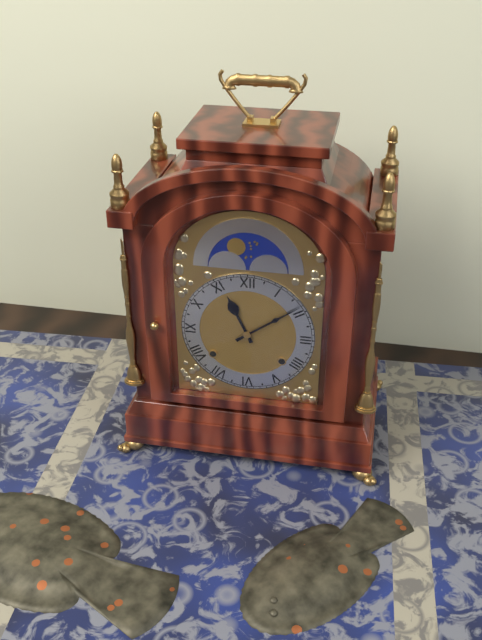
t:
11,09
